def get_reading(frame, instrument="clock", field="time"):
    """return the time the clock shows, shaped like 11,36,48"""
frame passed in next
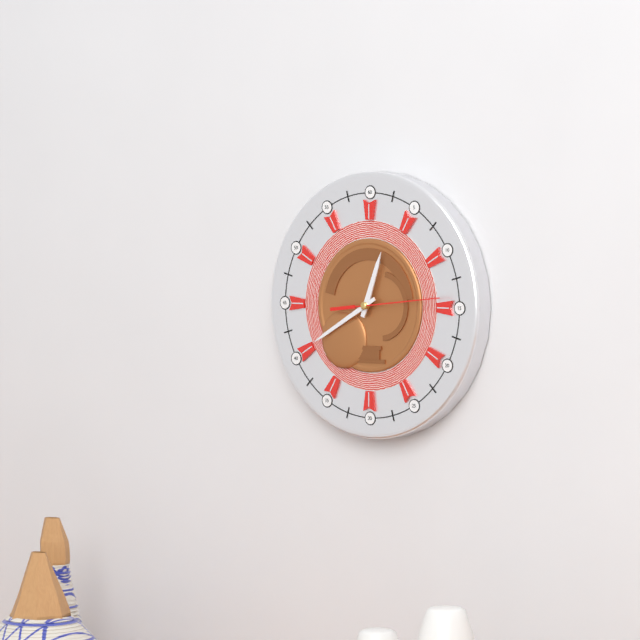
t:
12,40,14
